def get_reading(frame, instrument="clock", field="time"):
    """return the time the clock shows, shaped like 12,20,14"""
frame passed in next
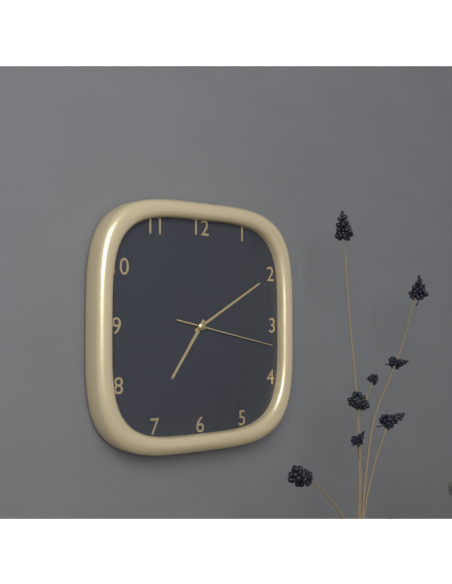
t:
7,10,17
